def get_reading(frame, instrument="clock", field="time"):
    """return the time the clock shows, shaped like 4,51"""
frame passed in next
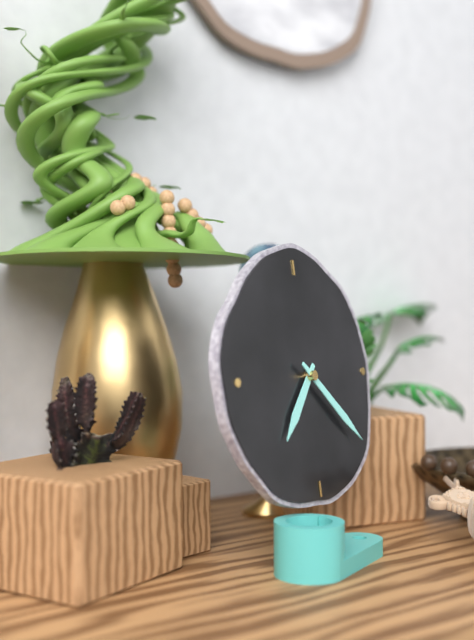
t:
7,22
